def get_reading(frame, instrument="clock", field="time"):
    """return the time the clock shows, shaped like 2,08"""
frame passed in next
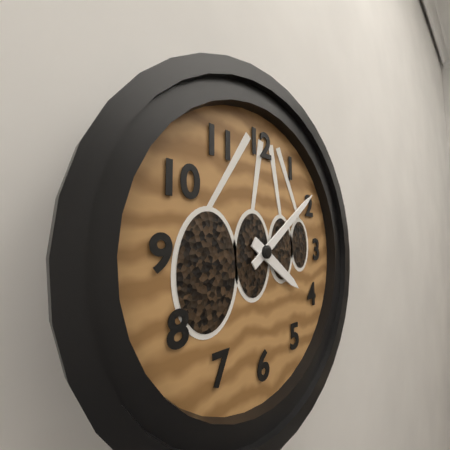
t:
4,09
